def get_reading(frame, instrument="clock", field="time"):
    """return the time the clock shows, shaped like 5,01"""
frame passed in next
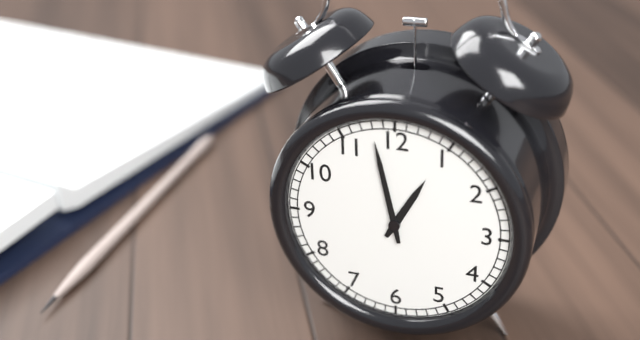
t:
12,58
